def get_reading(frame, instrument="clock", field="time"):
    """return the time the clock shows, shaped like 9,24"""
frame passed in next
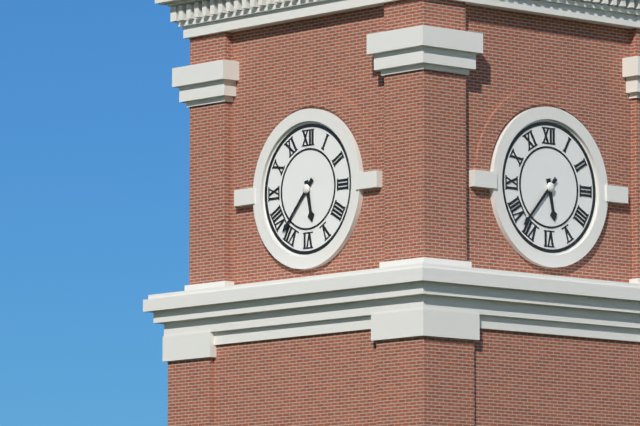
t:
5,37
